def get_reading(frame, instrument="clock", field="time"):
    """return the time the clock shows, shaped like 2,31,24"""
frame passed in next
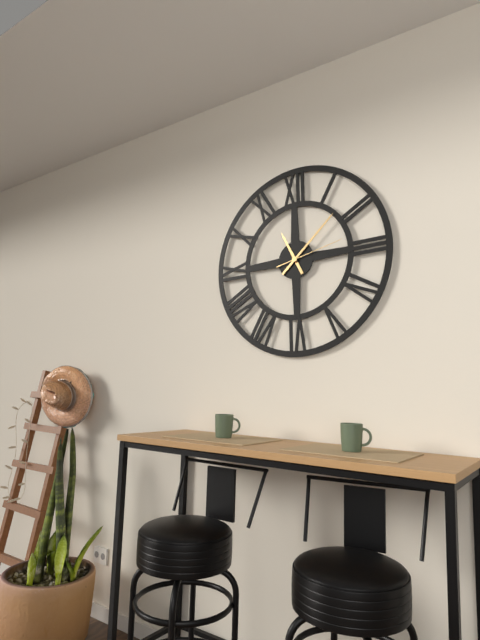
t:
11,08,13
